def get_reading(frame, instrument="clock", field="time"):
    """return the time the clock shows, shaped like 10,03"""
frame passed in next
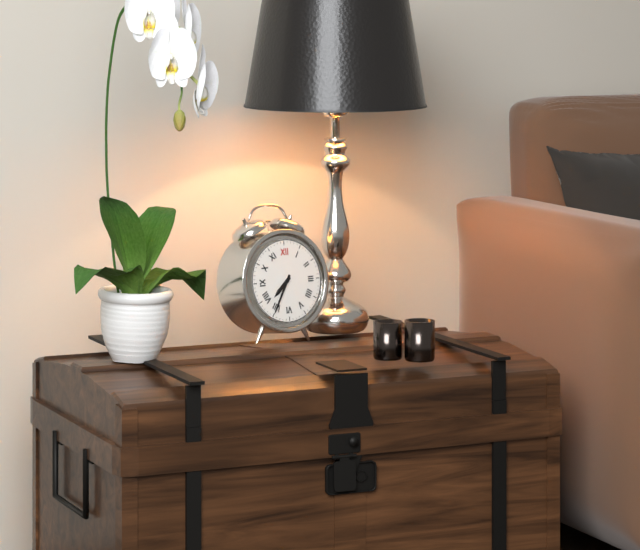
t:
7,35
